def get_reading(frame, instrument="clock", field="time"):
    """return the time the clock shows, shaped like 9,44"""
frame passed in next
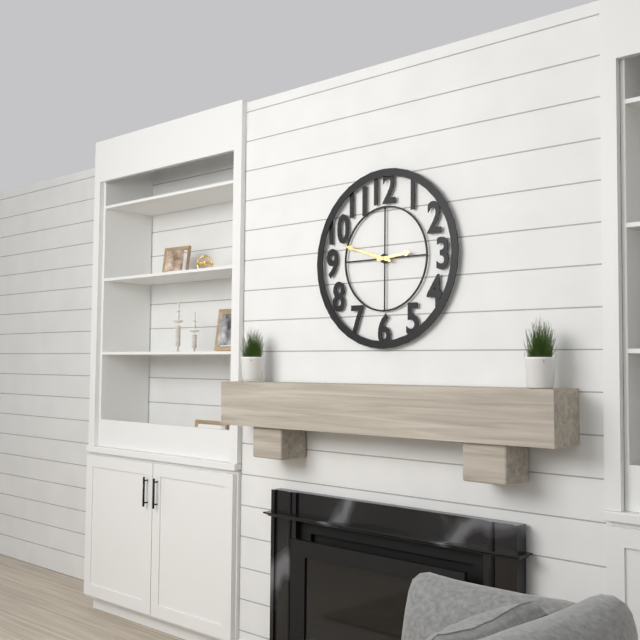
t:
2,48
